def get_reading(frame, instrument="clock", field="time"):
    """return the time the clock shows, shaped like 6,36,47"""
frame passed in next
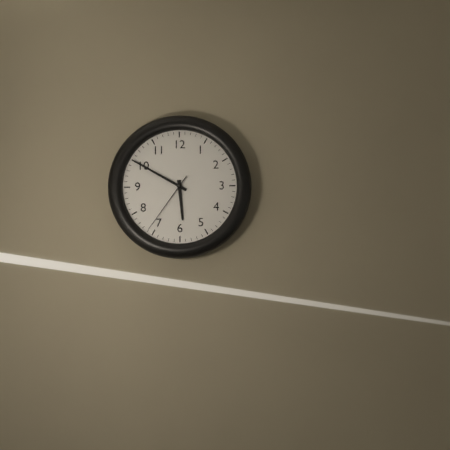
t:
5,50,36
